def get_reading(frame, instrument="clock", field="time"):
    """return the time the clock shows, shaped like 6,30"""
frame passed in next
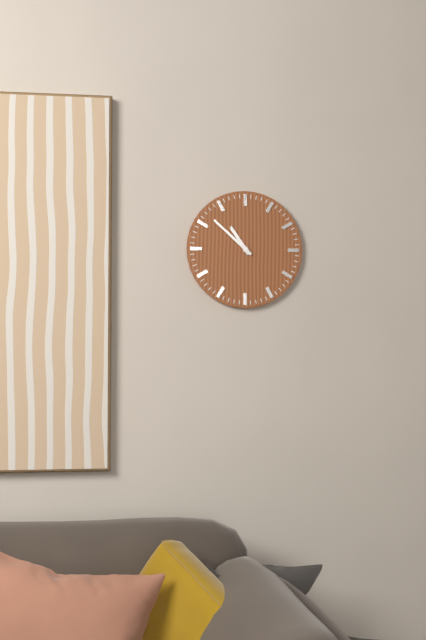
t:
10,52
